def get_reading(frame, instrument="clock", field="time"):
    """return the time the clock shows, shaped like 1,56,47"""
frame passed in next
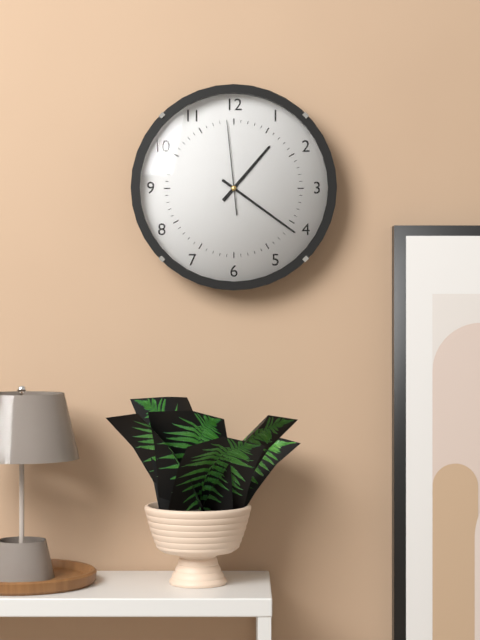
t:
1,21,59
